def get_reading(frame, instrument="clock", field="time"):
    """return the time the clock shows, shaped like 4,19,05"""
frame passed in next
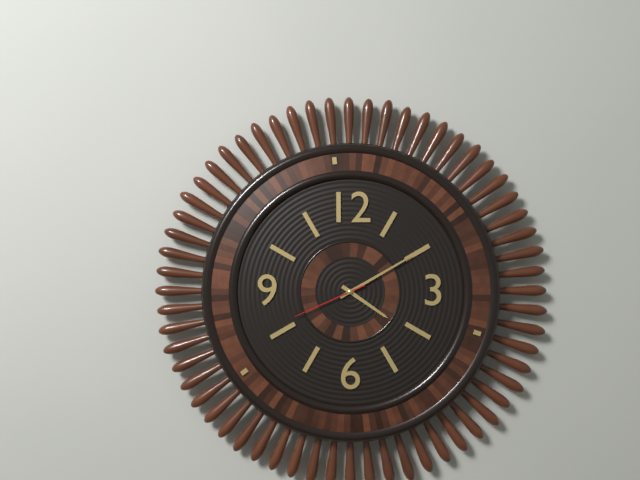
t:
4,10,41
